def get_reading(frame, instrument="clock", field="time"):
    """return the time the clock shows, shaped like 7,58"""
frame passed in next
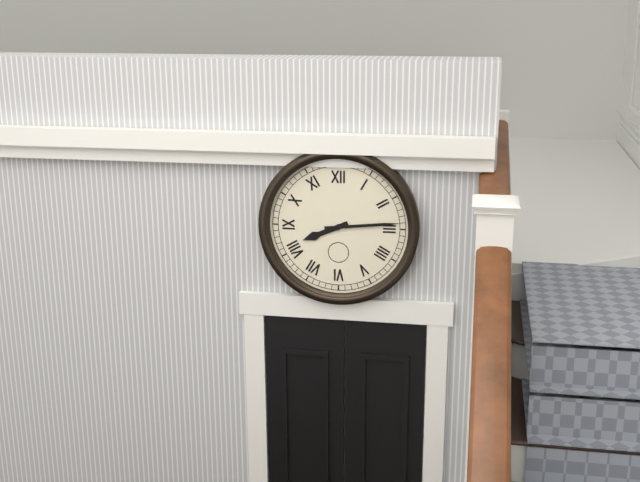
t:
8,14
